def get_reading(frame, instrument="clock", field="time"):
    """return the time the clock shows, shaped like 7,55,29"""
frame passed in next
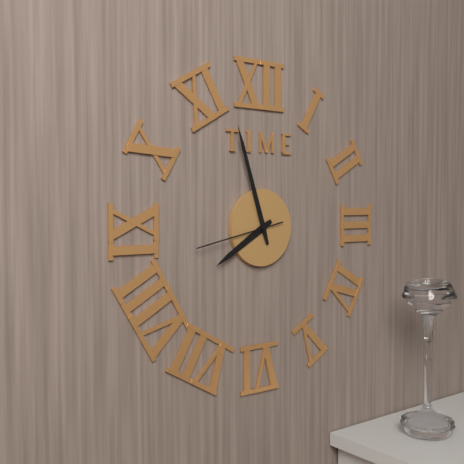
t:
7,57,43
